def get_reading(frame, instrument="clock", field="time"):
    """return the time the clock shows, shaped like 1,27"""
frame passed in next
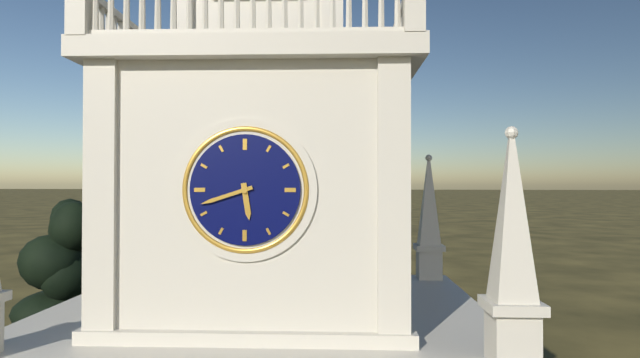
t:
5,42
